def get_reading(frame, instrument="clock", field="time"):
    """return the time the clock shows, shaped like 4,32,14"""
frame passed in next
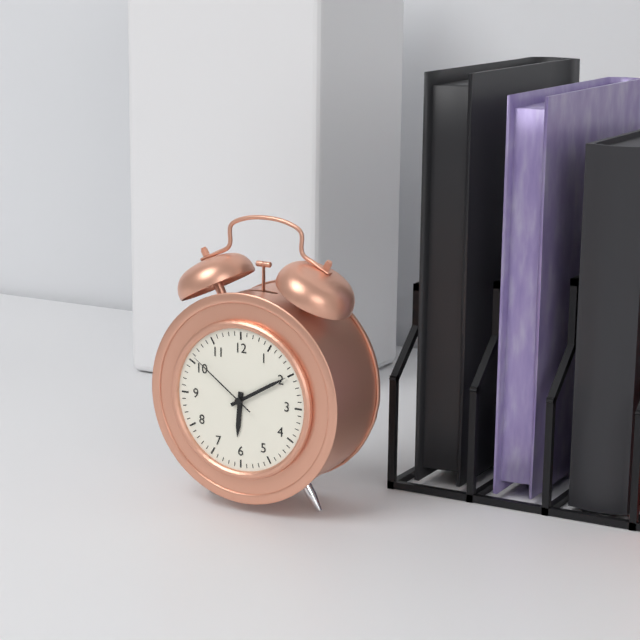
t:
6,10,51
